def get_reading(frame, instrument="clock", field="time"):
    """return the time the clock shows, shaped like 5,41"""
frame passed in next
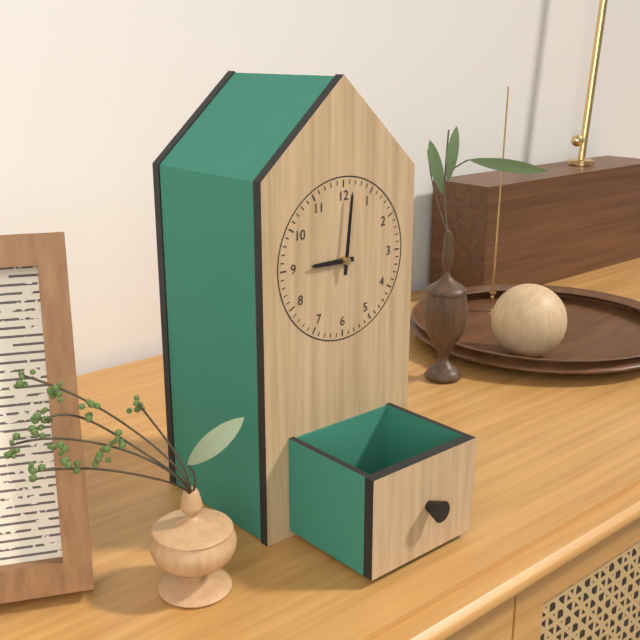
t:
9,01
